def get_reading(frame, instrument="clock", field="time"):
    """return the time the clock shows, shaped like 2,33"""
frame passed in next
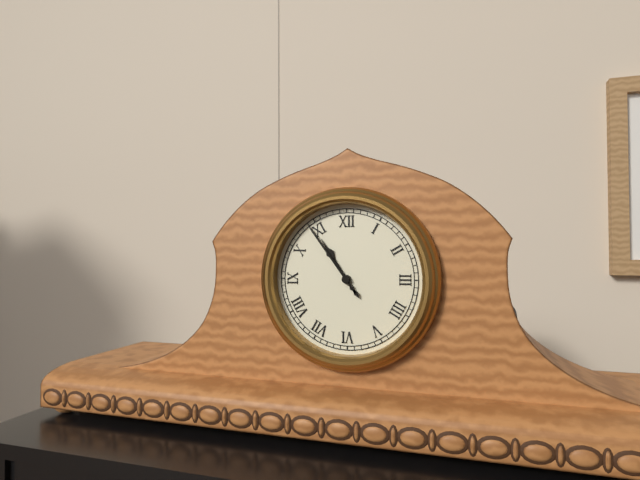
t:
10,54
